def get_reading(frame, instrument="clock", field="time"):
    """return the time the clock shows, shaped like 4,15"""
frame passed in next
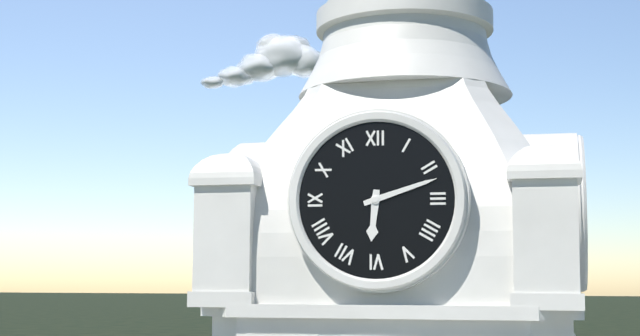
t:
6,12
